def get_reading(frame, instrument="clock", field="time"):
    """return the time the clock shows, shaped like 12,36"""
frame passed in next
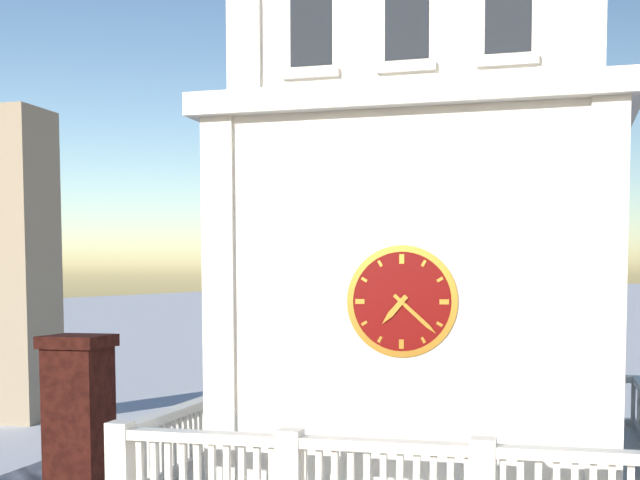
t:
7,22
